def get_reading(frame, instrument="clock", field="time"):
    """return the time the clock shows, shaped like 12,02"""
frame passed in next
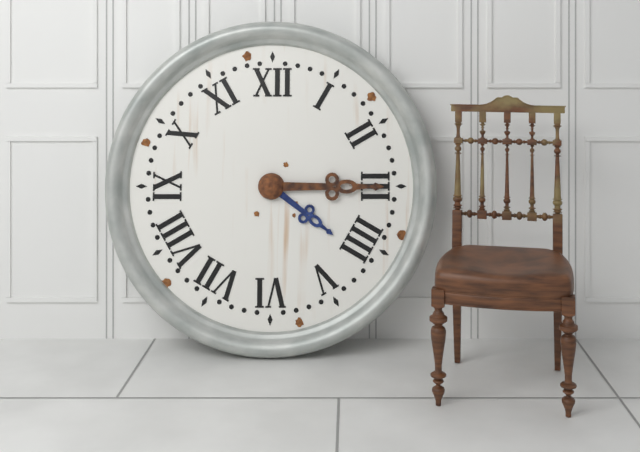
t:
4,15
